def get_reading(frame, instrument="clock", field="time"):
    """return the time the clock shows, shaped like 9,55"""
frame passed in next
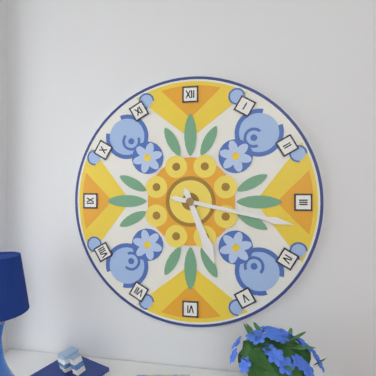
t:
5,17
